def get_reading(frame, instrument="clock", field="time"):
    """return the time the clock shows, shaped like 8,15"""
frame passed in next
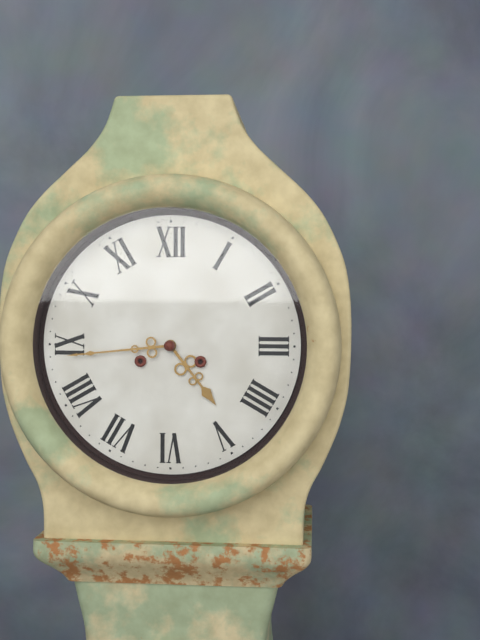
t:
4,44
